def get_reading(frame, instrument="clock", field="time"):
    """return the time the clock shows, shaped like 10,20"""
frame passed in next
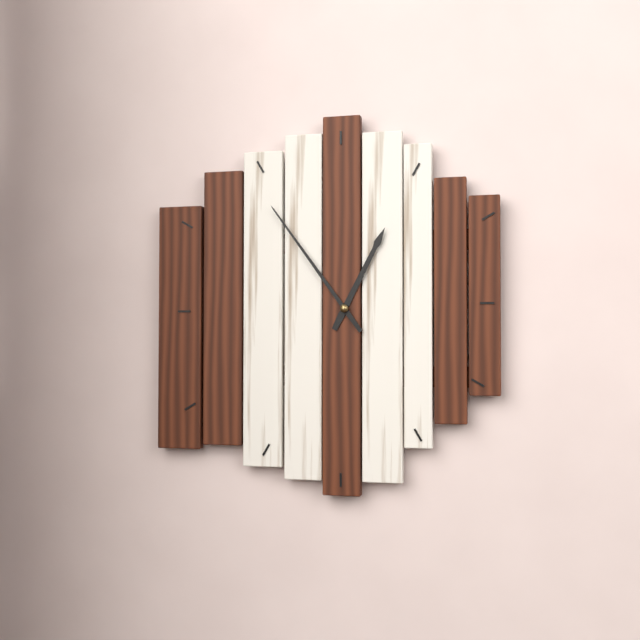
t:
12,54
